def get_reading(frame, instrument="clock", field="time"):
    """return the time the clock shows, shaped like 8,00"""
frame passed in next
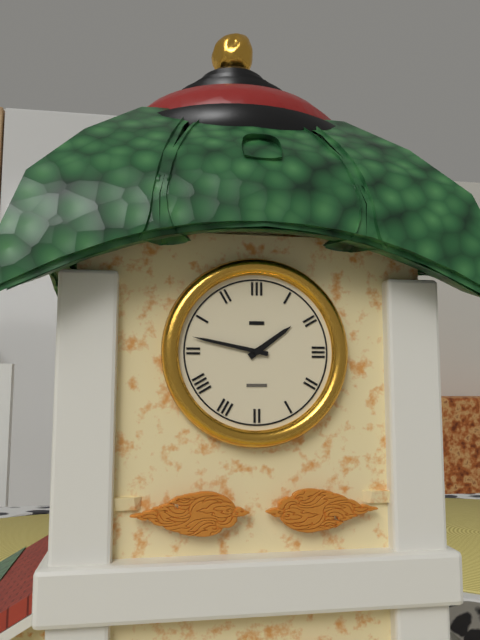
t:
1,47
